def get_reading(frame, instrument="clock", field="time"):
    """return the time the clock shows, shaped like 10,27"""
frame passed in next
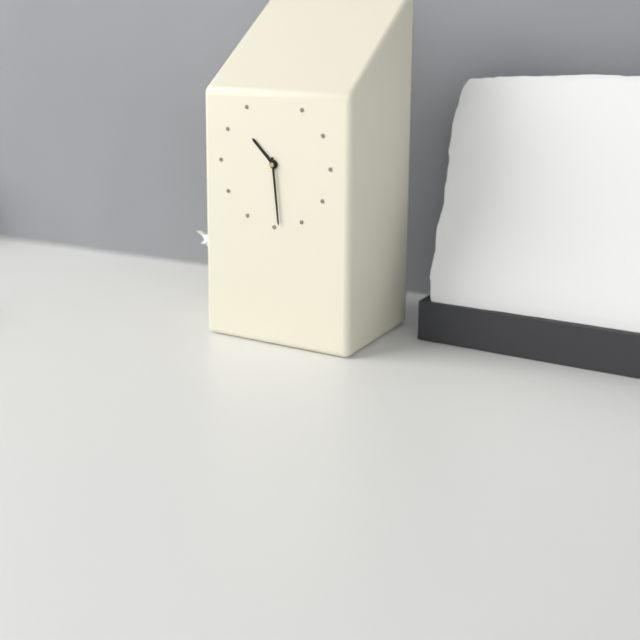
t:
10,29
